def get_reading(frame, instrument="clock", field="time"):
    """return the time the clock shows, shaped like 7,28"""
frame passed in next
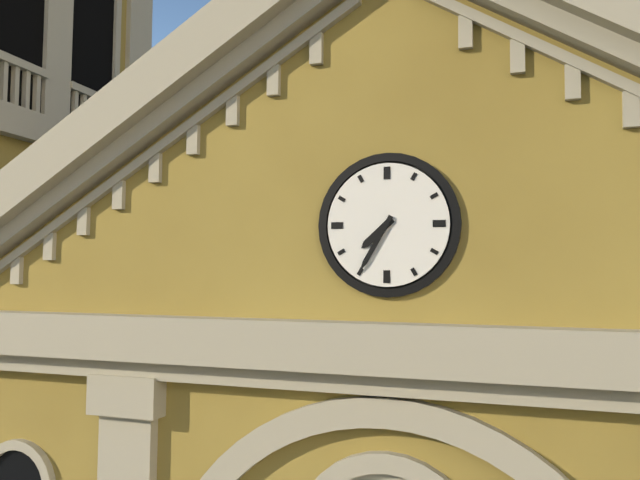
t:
7,35
